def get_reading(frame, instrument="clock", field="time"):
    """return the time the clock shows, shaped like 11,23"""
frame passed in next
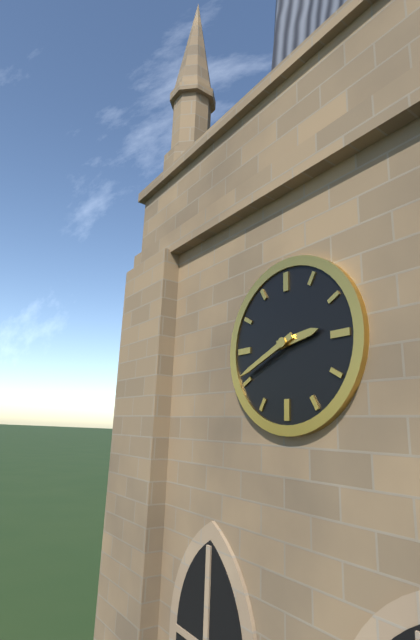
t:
2,41
